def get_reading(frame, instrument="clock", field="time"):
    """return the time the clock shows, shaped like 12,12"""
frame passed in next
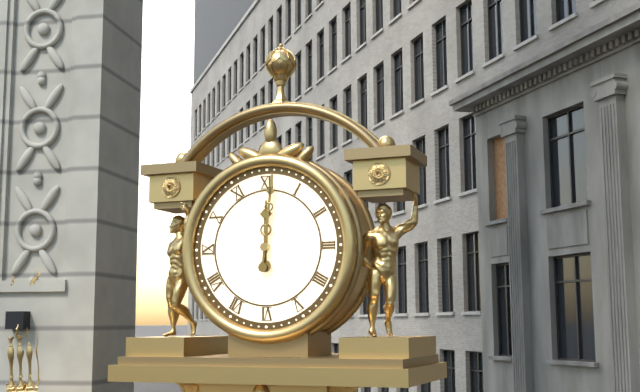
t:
12,01
